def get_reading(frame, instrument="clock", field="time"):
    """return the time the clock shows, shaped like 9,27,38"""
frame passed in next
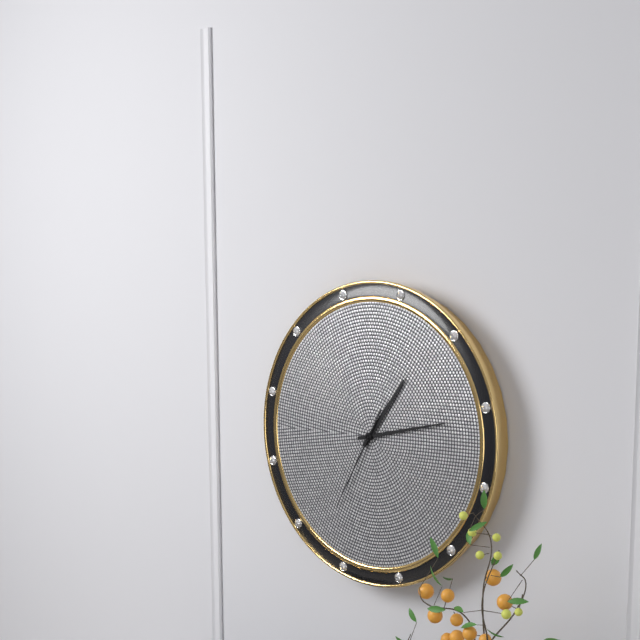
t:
1,13,35
